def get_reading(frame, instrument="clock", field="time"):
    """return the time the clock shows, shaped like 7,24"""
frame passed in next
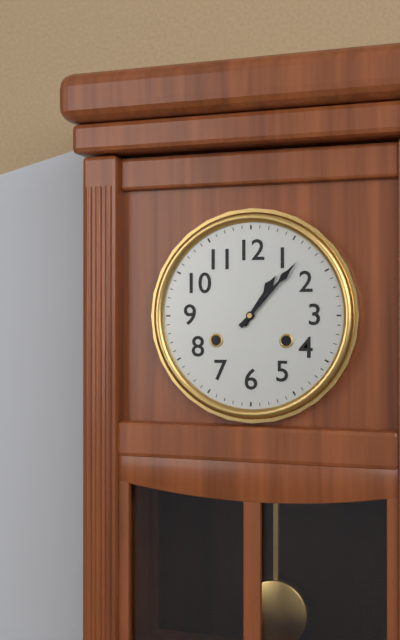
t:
1,07
